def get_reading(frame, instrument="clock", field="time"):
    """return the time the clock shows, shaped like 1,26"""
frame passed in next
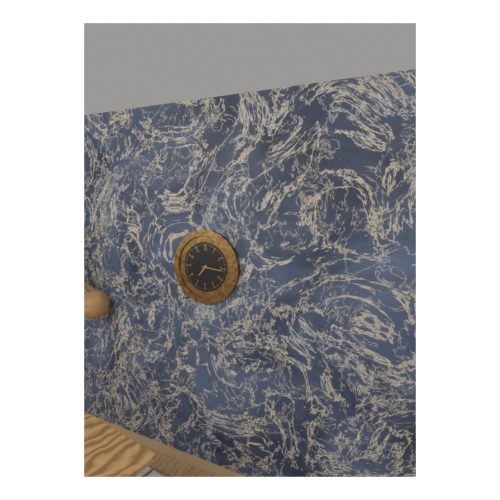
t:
7,16
